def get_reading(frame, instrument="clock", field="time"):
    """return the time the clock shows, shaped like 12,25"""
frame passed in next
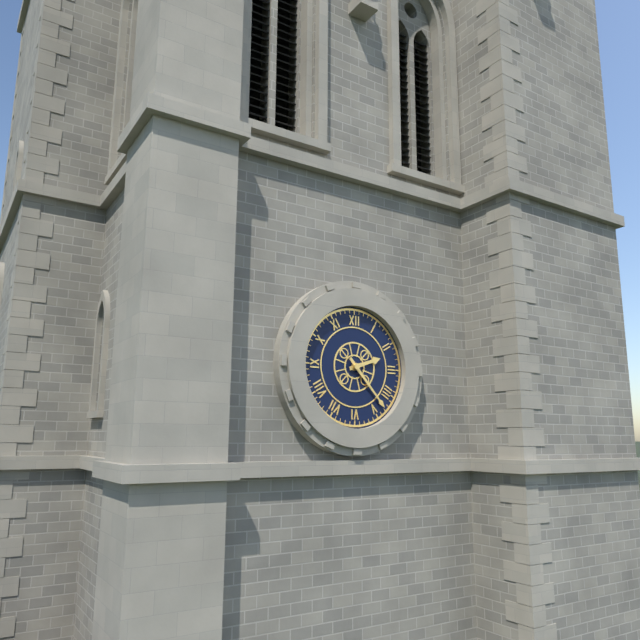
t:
2,23
